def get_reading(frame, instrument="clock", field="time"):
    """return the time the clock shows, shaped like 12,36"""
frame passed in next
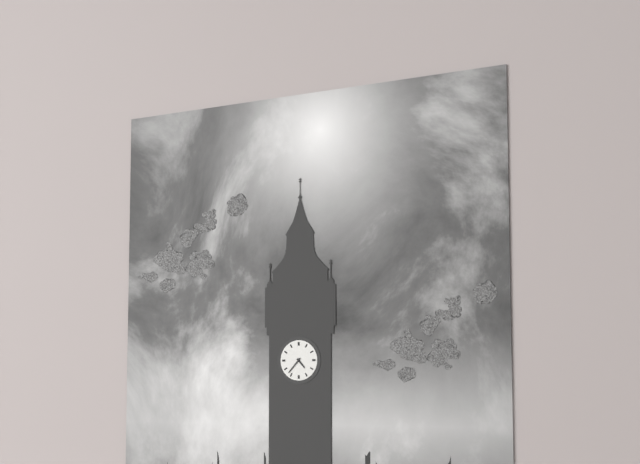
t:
4,37
